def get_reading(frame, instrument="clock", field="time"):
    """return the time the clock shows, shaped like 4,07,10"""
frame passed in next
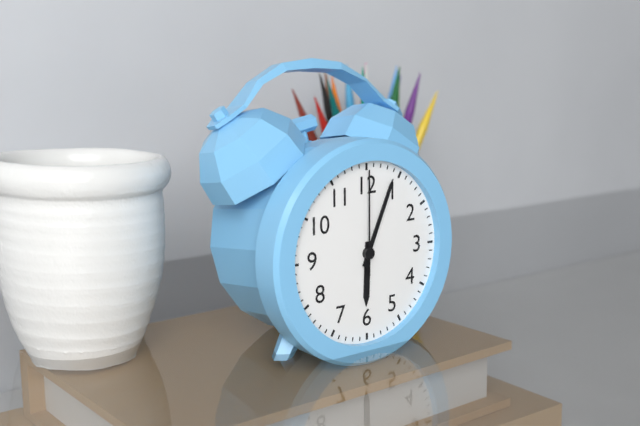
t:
6,04,00
